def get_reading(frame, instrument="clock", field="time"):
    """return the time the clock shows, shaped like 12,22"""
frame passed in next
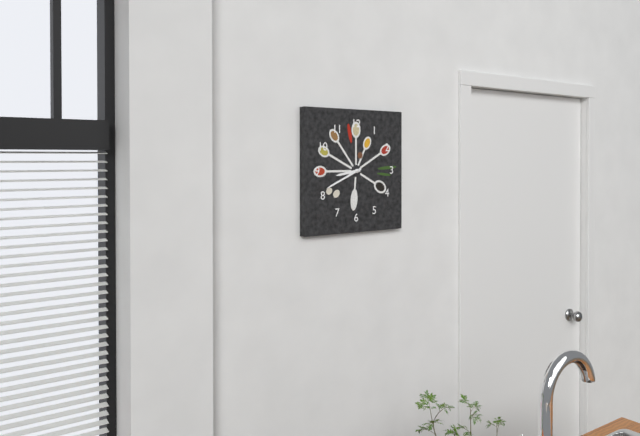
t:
8,41
